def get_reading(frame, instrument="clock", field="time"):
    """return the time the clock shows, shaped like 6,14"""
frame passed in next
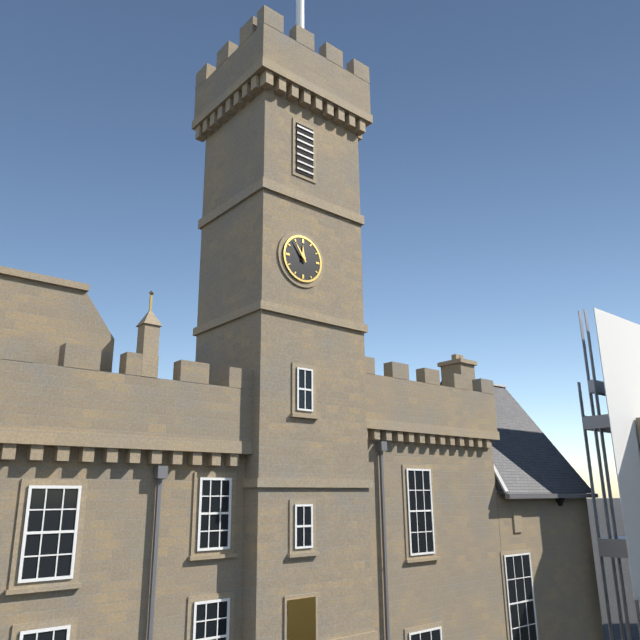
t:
11,54
